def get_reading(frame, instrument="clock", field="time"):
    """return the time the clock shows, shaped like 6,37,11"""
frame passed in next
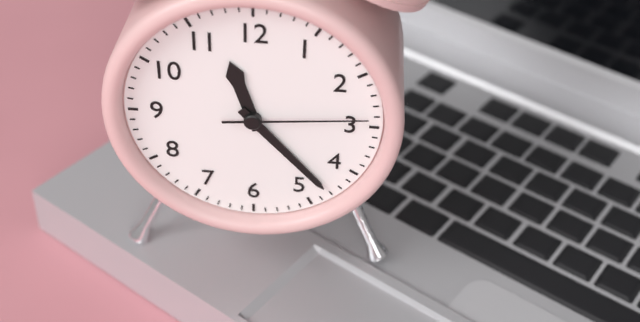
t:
11,23,14
